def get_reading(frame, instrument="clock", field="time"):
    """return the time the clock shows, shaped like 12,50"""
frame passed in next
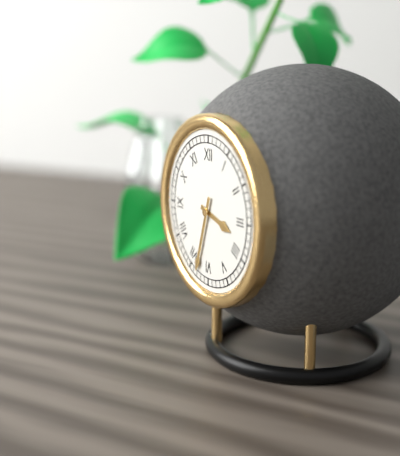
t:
3,33
